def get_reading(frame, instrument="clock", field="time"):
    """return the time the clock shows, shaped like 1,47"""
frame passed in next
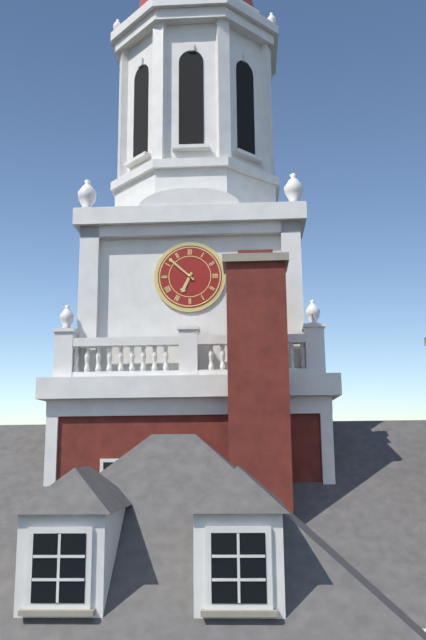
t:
6,52
